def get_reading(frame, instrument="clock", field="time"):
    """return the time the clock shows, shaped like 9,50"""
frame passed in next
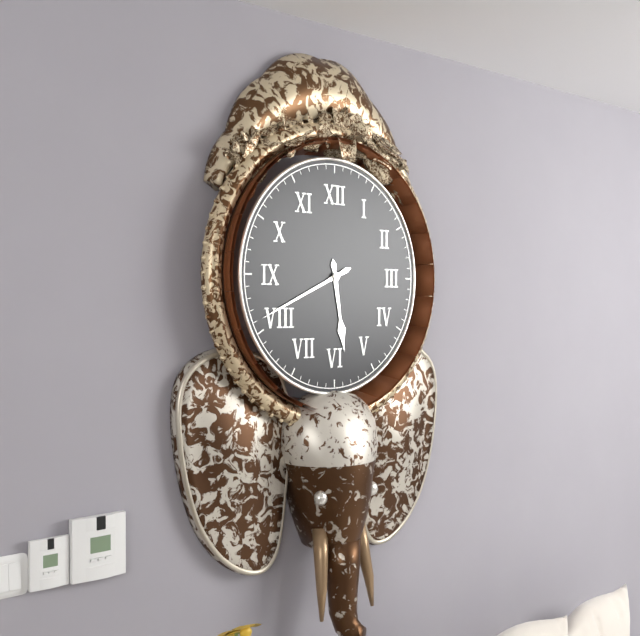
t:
5,41
